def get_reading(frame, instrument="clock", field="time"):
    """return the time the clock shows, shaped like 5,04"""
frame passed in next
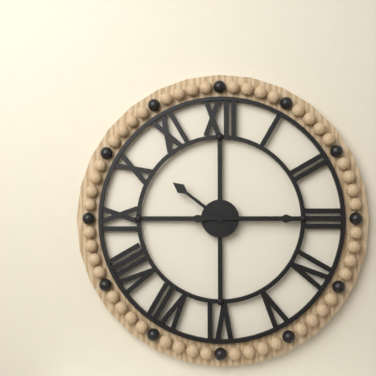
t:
10,15
